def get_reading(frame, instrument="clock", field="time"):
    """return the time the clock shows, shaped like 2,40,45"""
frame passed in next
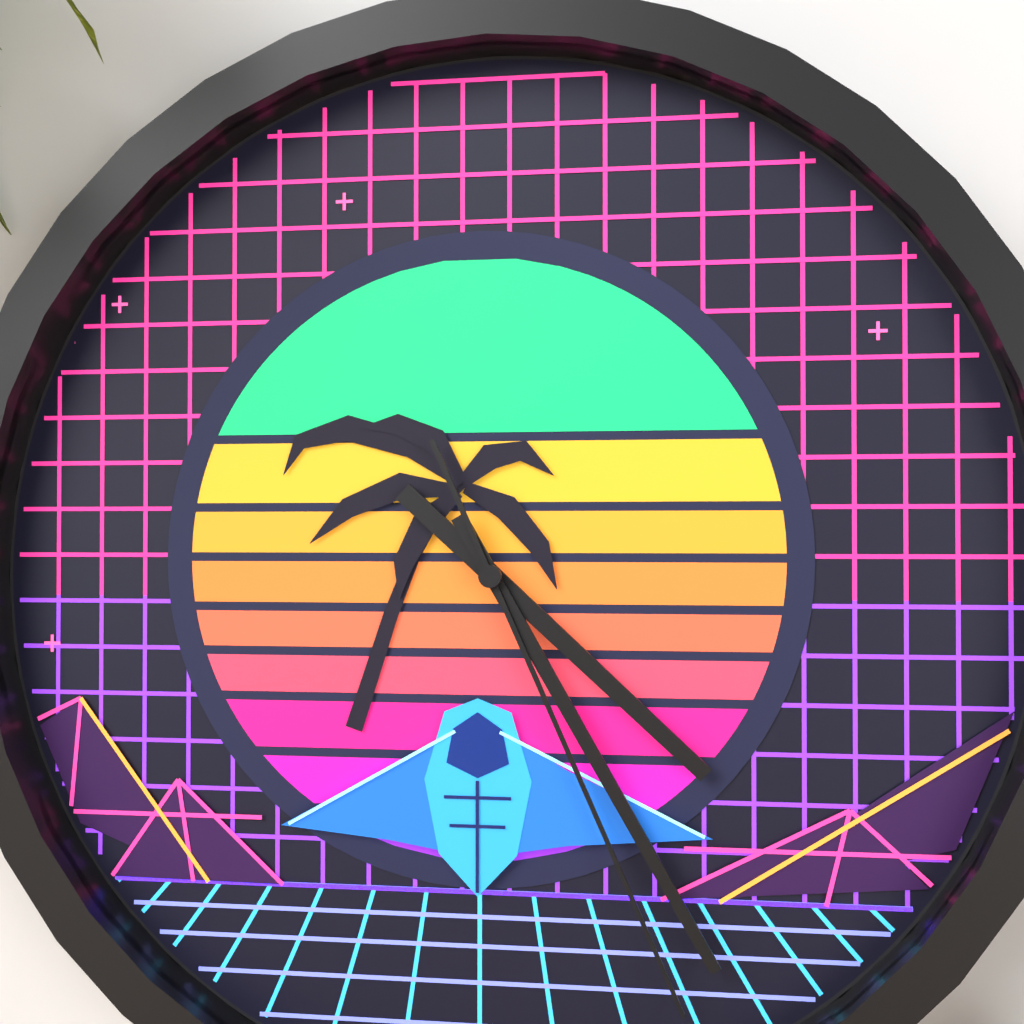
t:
4,25,26
